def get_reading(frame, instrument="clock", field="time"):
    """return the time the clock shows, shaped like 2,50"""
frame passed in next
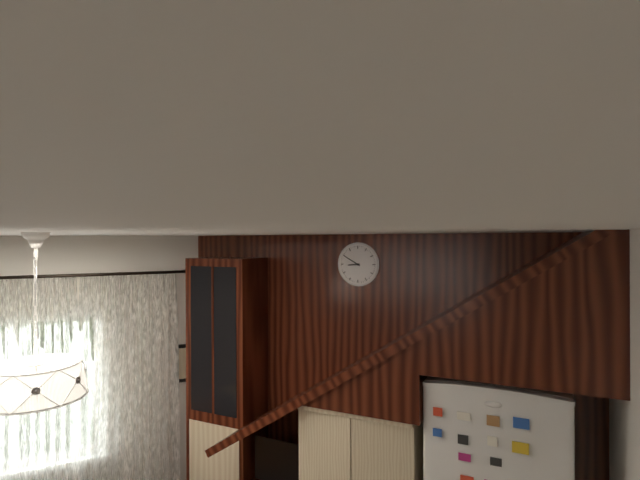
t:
8,50
